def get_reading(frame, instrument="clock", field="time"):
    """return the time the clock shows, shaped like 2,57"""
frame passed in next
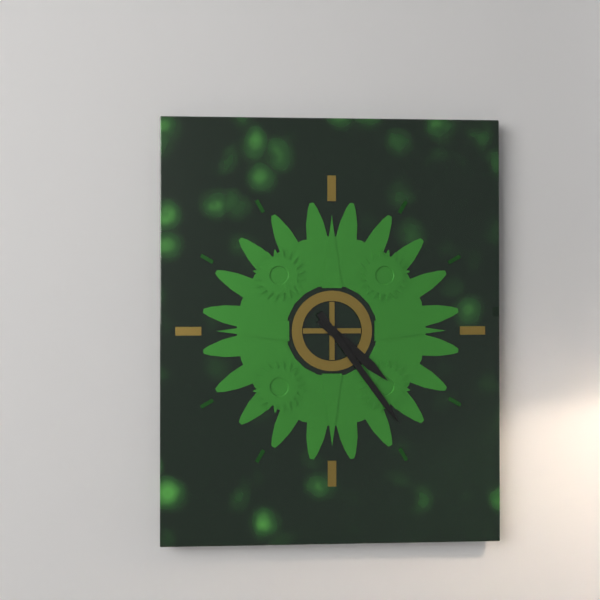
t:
4,24
